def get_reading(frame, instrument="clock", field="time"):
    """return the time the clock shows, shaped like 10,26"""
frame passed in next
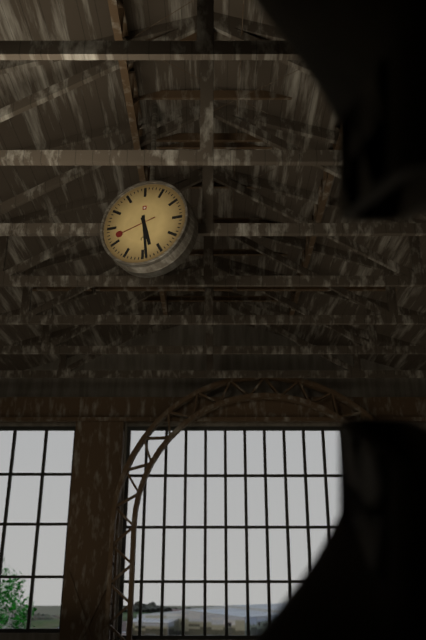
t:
5,29
